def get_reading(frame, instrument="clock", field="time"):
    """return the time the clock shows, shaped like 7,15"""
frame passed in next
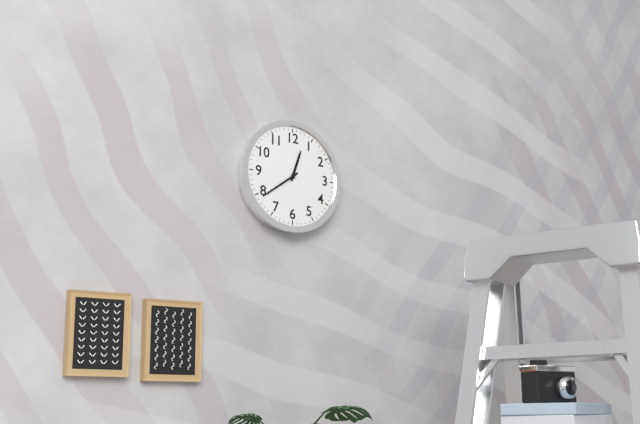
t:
12,39
